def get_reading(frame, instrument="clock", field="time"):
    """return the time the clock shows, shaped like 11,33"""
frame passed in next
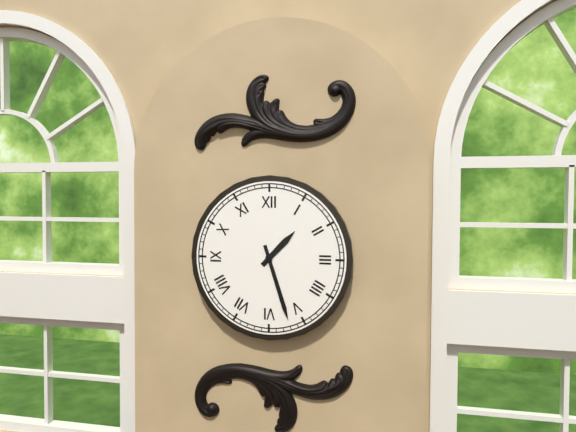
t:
1,27
